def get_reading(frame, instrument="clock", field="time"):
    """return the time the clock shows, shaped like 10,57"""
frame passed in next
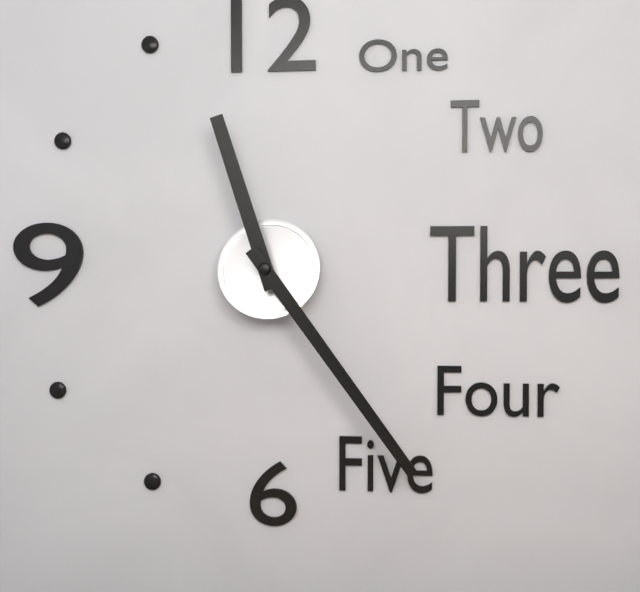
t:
11,24
